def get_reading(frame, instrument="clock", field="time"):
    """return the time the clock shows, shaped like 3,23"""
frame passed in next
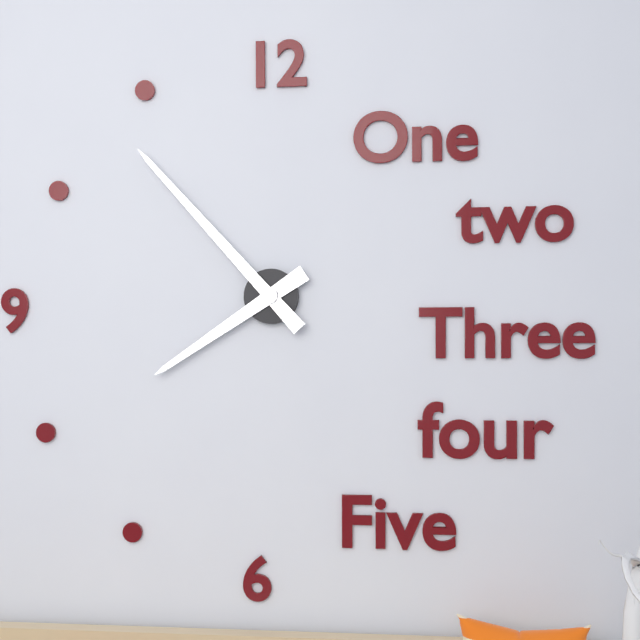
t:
7,53
